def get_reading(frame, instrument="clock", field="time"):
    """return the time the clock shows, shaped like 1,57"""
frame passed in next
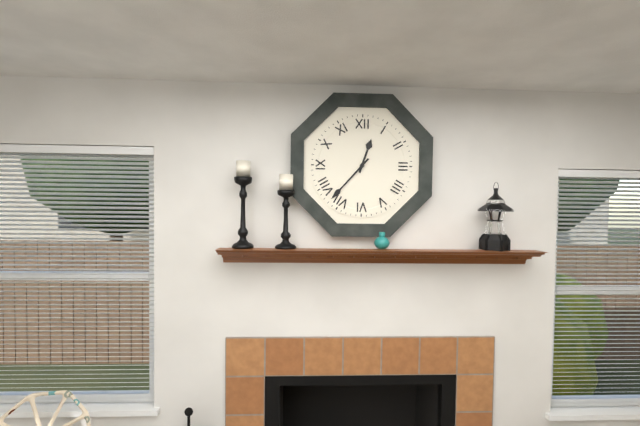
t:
12,37
